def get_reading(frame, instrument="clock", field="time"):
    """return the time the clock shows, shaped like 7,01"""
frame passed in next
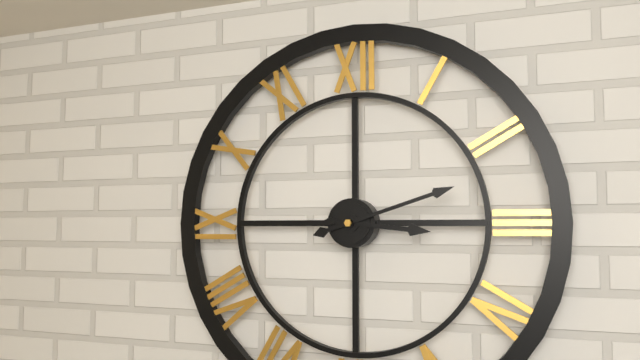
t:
3,12
